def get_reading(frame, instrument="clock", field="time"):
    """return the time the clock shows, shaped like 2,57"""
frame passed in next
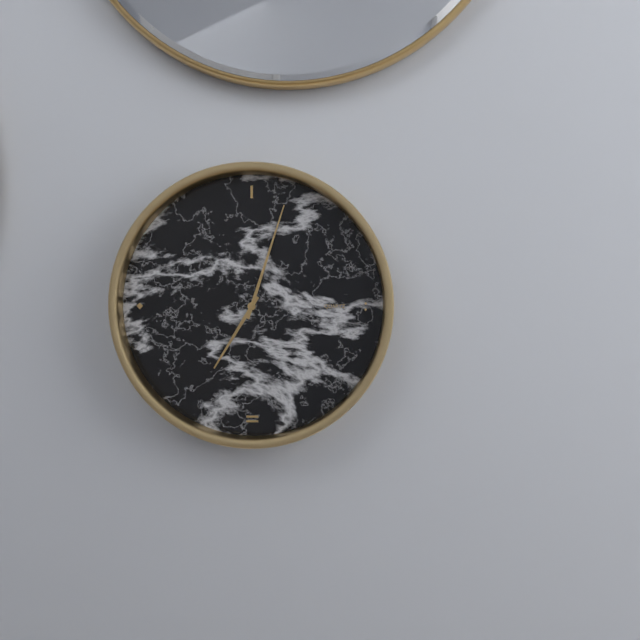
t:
7,03
